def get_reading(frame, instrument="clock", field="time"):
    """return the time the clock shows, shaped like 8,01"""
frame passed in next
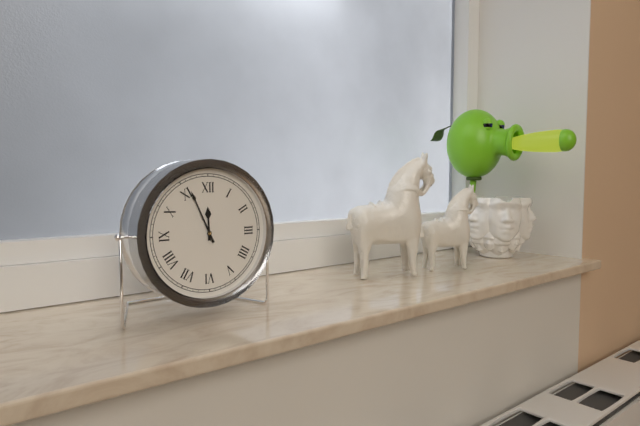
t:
11,56
